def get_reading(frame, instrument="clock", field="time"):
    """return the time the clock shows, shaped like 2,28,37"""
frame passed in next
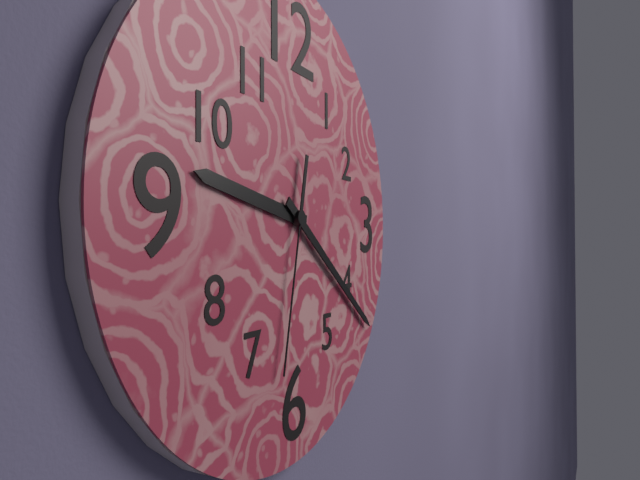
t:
9,21,32
